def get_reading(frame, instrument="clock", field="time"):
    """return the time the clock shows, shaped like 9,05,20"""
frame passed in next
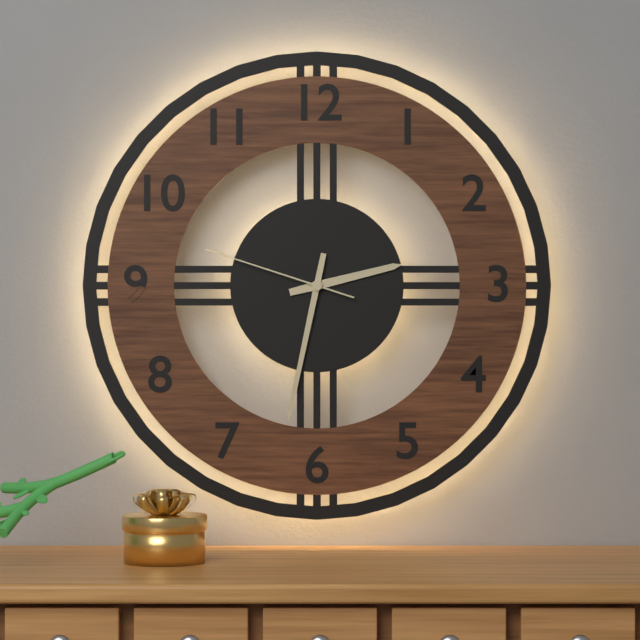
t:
2,32,48
